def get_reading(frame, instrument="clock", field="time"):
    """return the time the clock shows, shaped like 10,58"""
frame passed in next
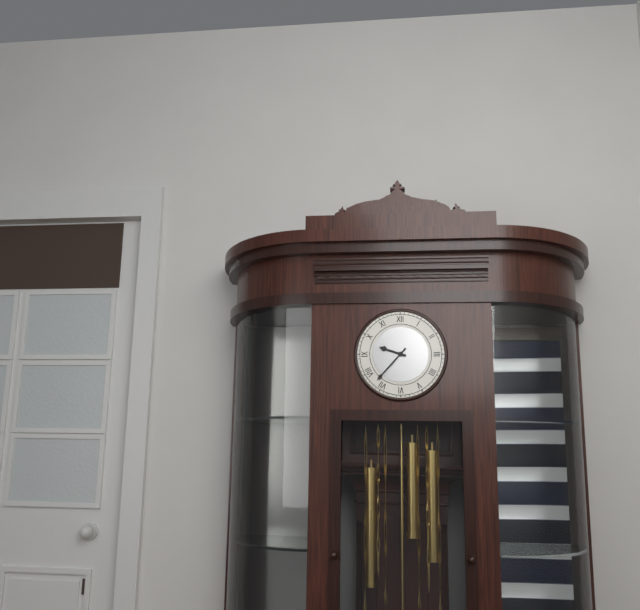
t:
9,37
